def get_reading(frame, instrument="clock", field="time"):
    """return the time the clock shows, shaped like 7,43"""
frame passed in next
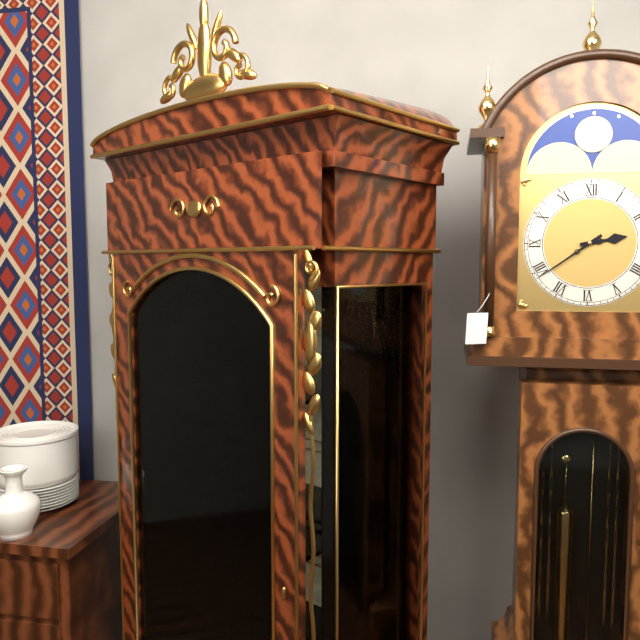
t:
2,39
